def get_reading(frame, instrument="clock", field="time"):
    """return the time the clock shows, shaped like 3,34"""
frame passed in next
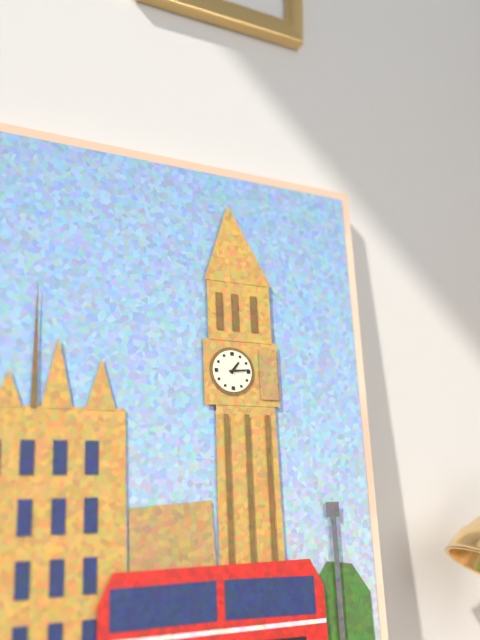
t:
1,14
